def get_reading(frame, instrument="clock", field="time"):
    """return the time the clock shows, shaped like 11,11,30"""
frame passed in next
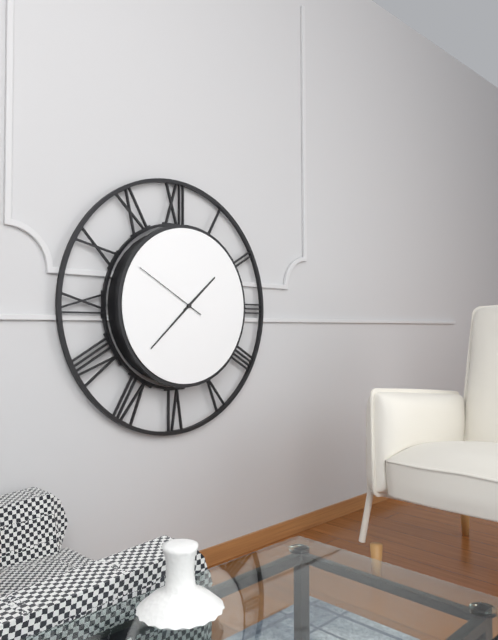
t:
1,38,50
